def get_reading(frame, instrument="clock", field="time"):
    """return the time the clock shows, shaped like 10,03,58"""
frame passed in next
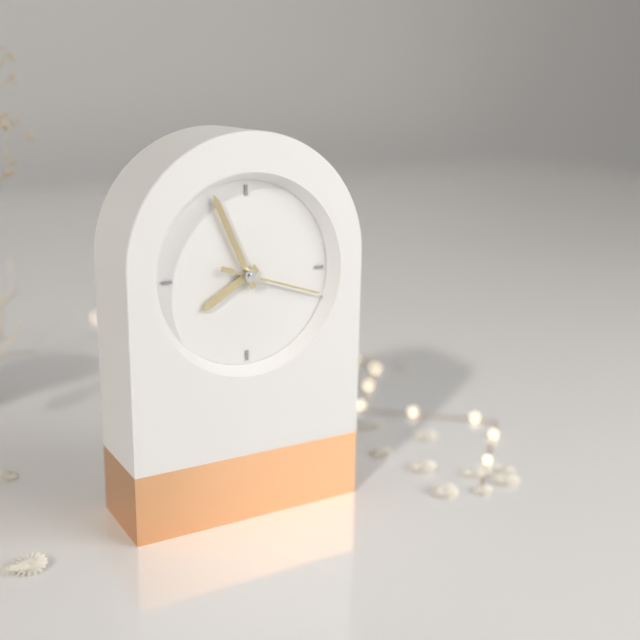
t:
7,56,18
